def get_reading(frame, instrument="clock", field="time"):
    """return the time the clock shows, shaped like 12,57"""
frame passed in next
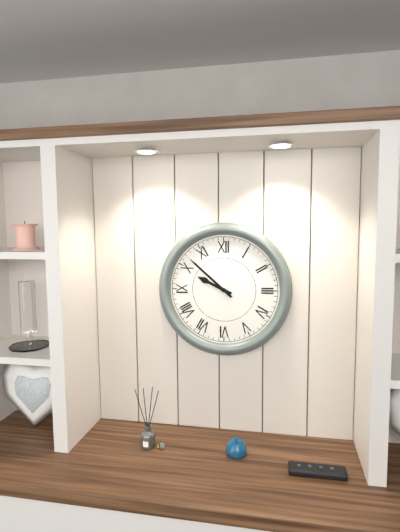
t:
9,52
